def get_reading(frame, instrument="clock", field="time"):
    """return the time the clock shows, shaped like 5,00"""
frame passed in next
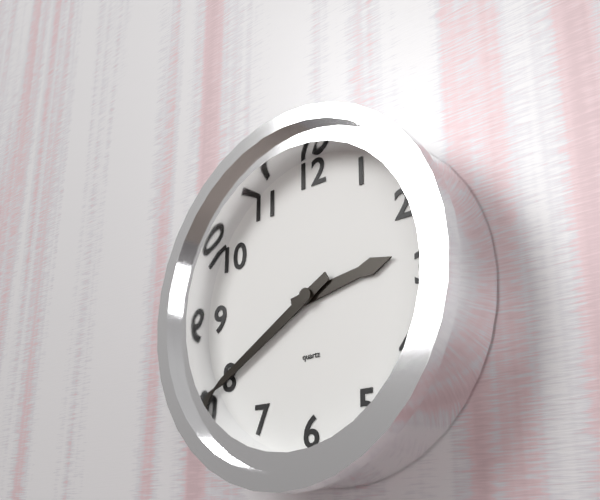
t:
2,40
